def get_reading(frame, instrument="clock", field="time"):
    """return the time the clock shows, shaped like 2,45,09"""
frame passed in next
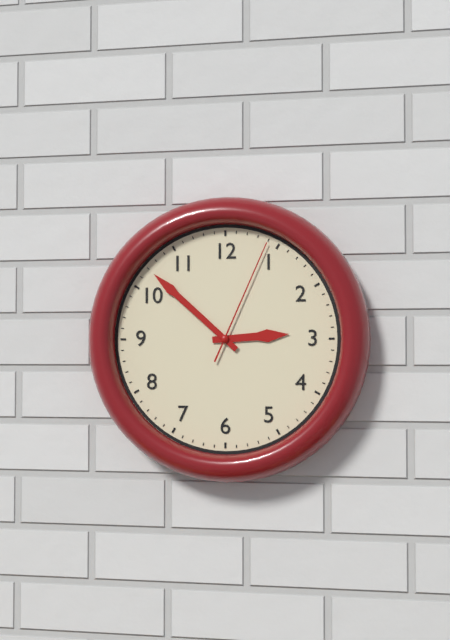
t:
2,52,04
